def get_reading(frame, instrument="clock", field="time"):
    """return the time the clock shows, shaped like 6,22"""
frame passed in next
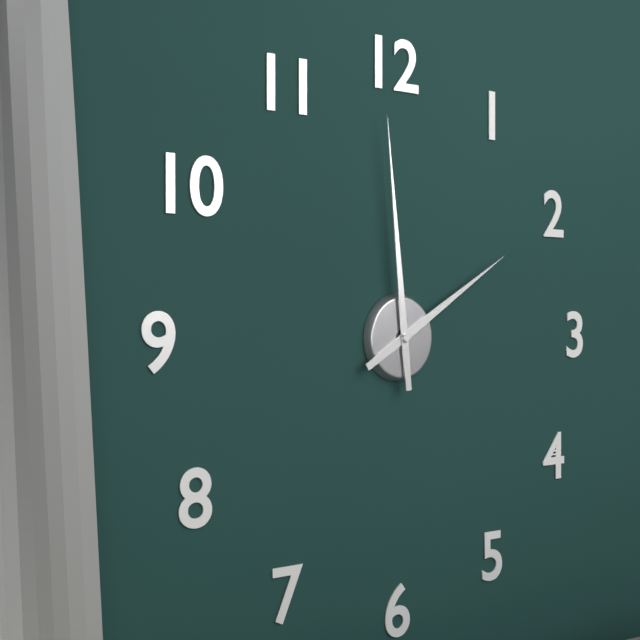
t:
1,59
